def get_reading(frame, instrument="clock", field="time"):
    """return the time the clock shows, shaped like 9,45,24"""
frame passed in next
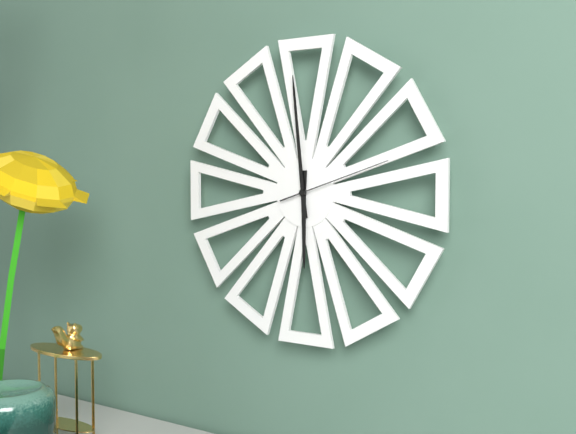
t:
5,59,12
